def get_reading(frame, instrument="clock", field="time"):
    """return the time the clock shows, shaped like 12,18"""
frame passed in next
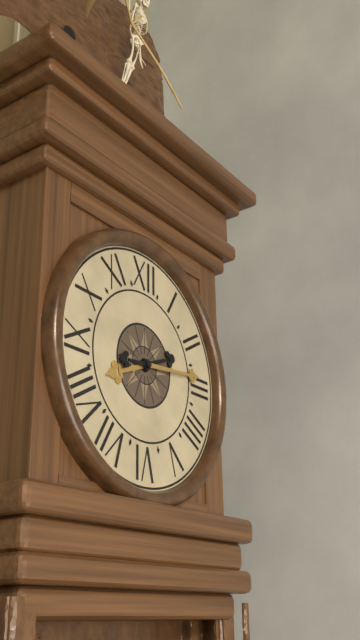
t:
8,14
